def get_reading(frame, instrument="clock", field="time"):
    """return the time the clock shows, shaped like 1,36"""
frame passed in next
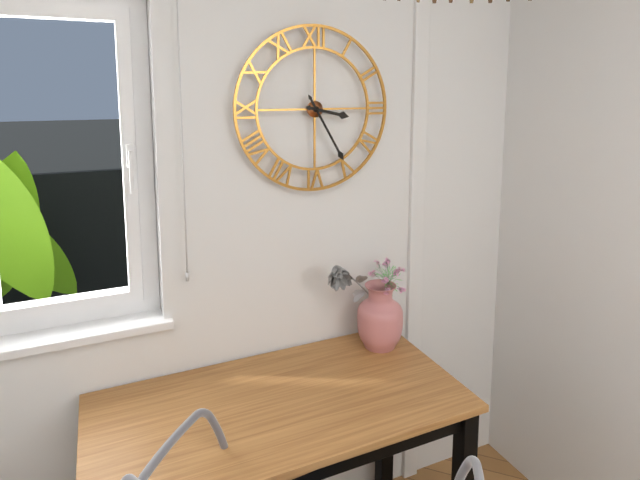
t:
3,25
